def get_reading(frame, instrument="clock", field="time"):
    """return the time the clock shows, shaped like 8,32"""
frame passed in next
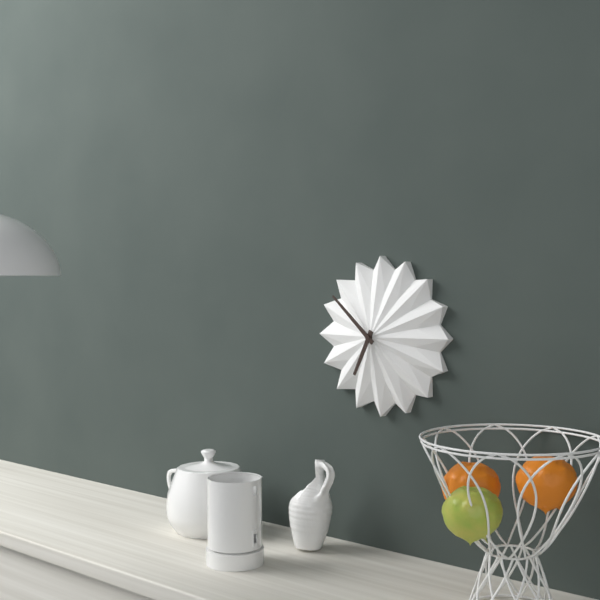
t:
6,52
